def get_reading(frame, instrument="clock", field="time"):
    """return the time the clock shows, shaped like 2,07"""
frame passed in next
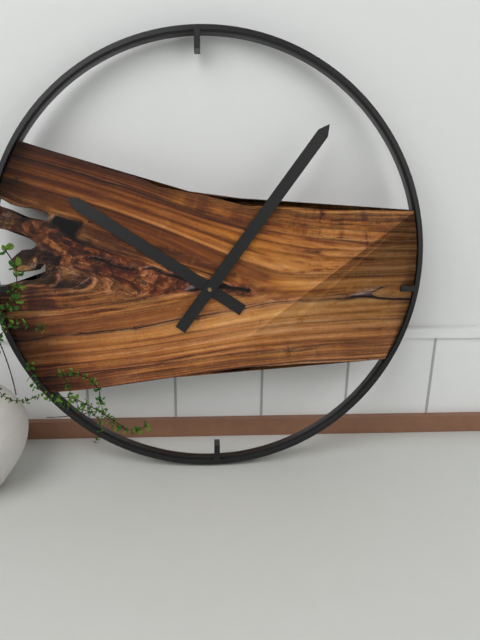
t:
10,06
